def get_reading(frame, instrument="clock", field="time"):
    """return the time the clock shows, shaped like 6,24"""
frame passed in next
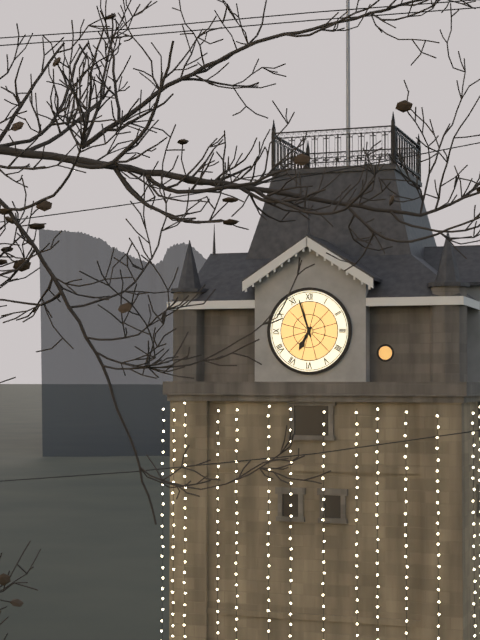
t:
6,57
